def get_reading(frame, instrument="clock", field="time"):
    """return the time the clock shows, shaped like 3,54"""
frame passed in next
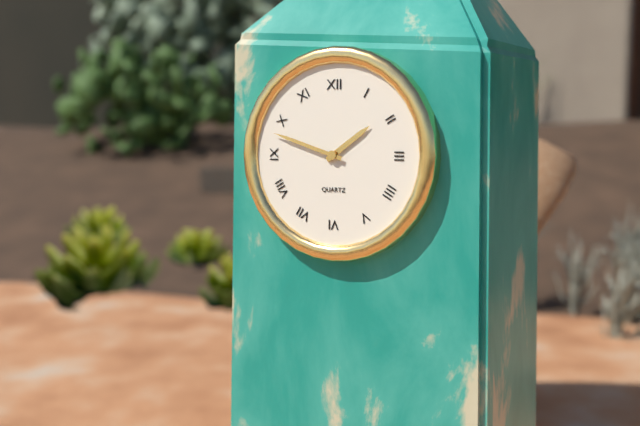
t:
1,48
